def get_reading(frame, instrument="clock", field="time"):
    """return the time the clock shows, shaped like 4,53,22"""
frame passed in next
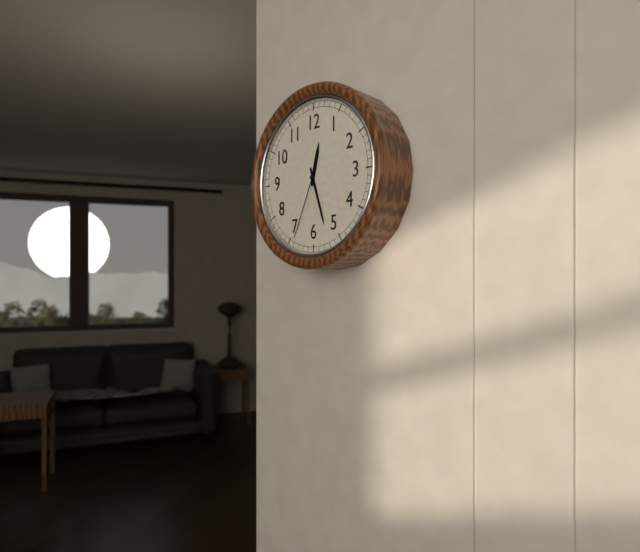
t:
12,27,34
